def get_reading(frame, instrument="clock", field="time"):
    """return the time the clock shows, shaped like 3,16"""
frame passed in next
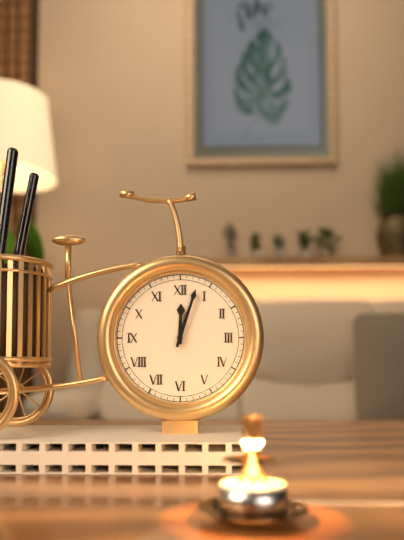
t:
12,03
